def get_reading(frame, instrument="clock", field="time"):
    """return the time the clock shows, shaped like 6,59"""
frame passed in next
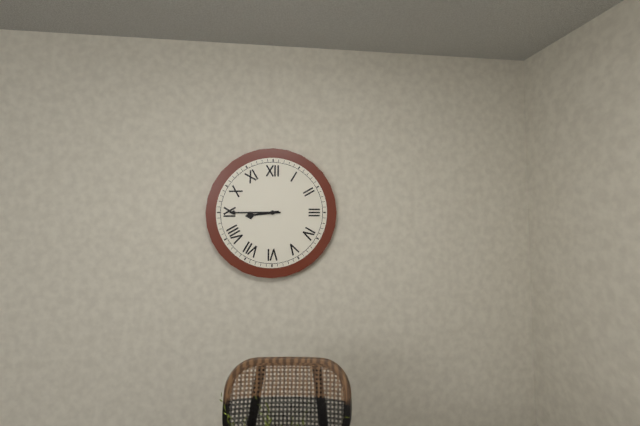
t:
8,45
